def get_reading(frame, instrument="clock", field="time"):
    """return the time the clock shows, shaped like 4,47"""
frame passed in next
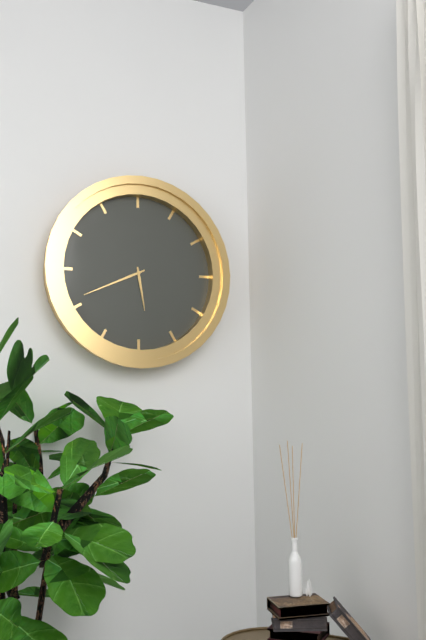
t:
5,41
